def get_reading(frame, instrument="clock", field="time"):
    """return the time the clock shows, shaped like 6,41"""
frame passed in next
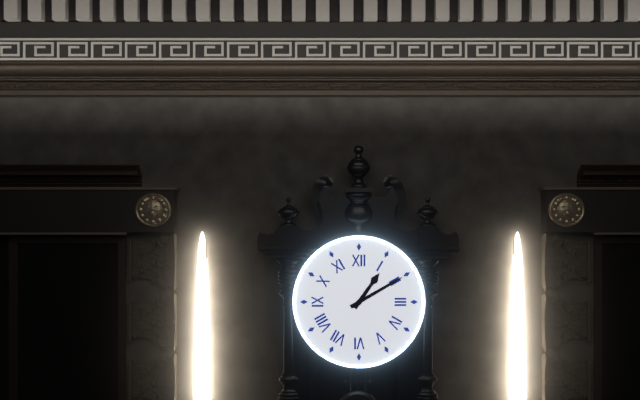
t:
1,10
